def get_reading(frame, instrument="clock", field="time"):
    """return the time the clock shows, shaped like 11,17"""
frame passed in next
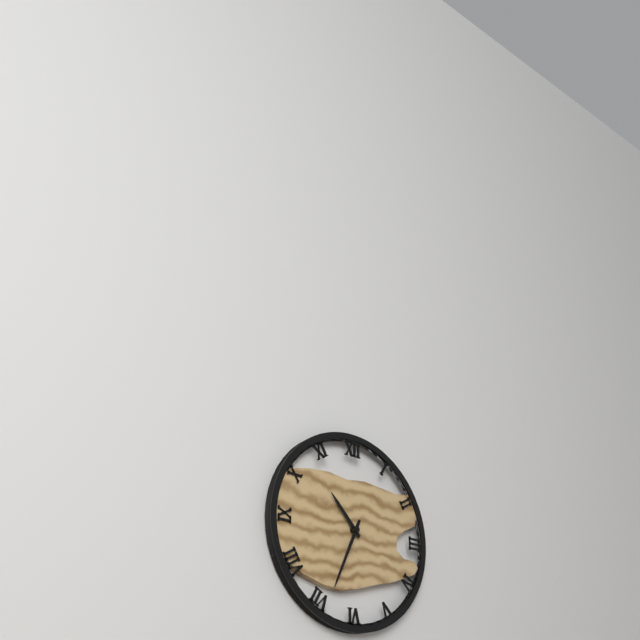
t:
10,34
